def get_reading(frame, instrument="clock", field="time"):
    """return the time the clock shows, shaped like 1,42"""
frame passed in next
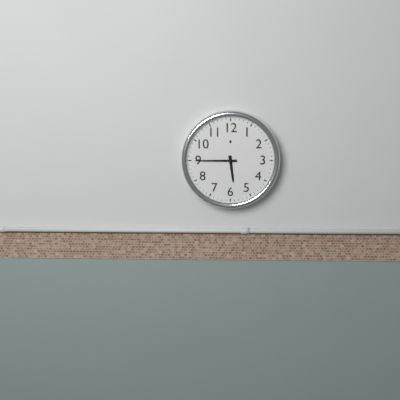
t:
5,45
